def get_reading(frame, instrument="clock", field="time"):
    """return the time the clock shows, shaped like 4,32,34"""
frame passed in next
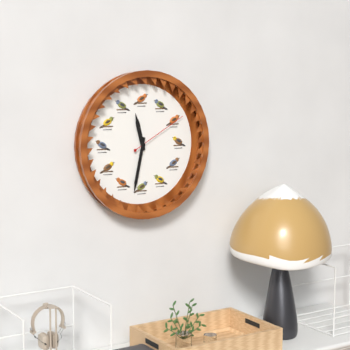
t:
11,32,10
